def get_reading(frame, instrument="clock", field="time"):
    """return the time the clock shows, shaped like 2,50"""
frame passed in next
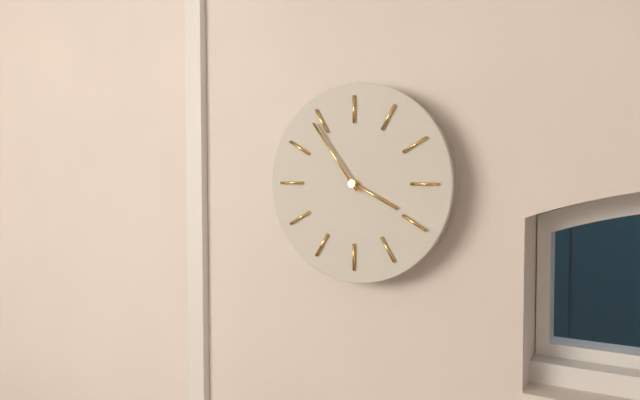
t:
3,54
